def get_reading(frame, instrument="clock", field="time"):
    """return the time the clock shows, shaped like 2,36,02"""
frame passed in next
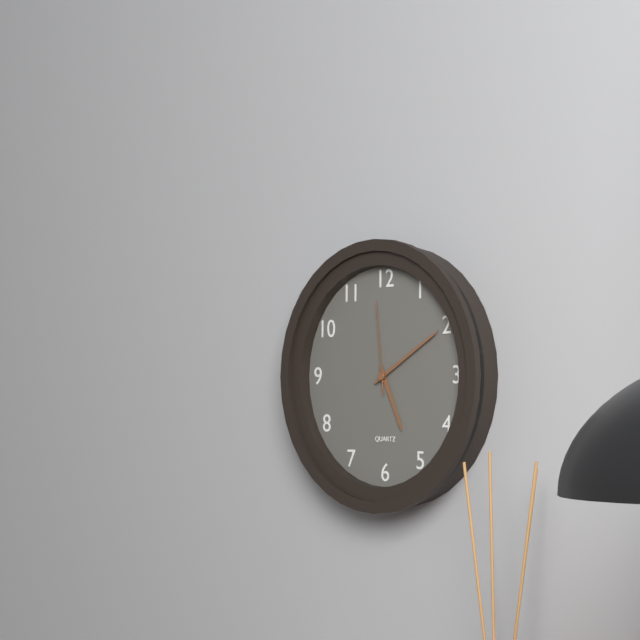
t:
5,10,59
